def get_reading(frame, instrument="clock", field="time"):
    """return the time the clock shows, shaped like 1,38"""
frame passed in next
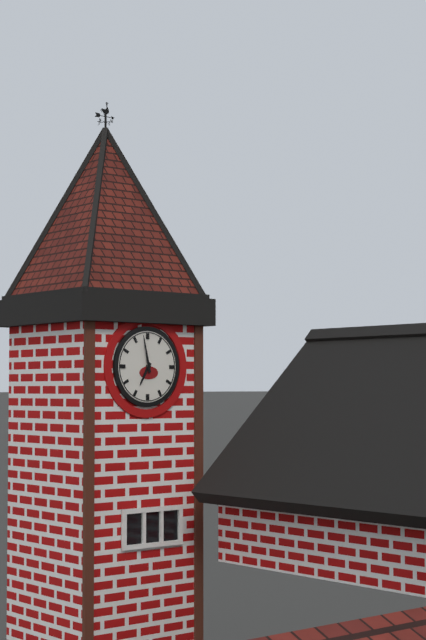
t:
6,58
